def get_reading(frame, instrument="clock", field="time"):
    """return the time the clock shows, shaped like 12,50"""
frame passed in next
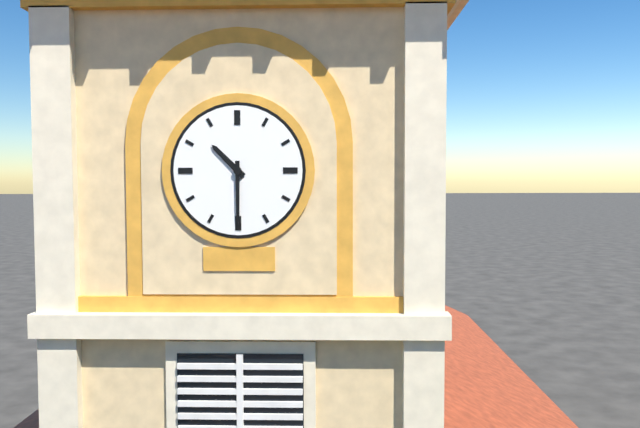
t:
10,30
